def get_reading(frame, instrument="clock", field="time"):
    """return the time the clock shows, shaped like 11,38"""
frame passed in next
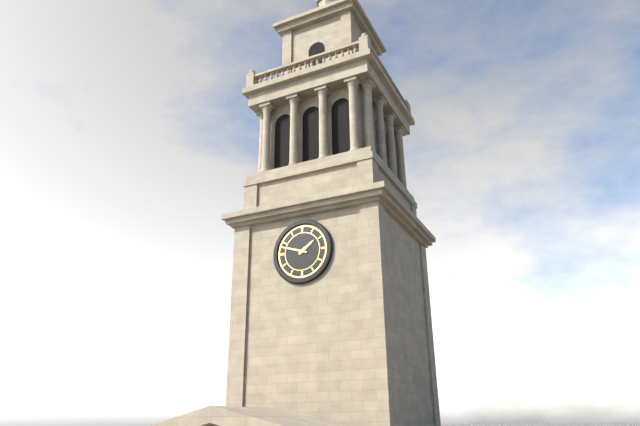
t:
1,48
